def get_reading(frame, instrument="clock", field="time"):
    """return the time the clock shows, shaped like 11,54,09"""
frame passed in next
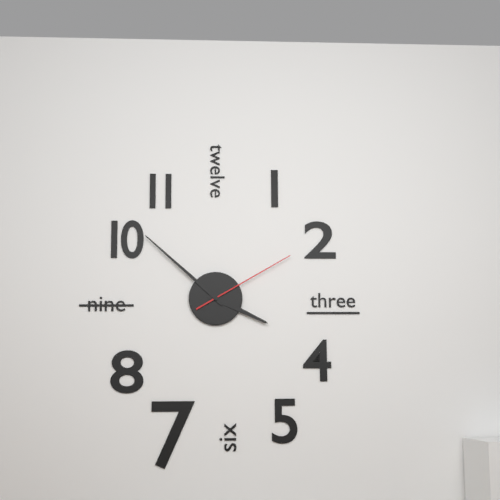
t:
3,52,10
